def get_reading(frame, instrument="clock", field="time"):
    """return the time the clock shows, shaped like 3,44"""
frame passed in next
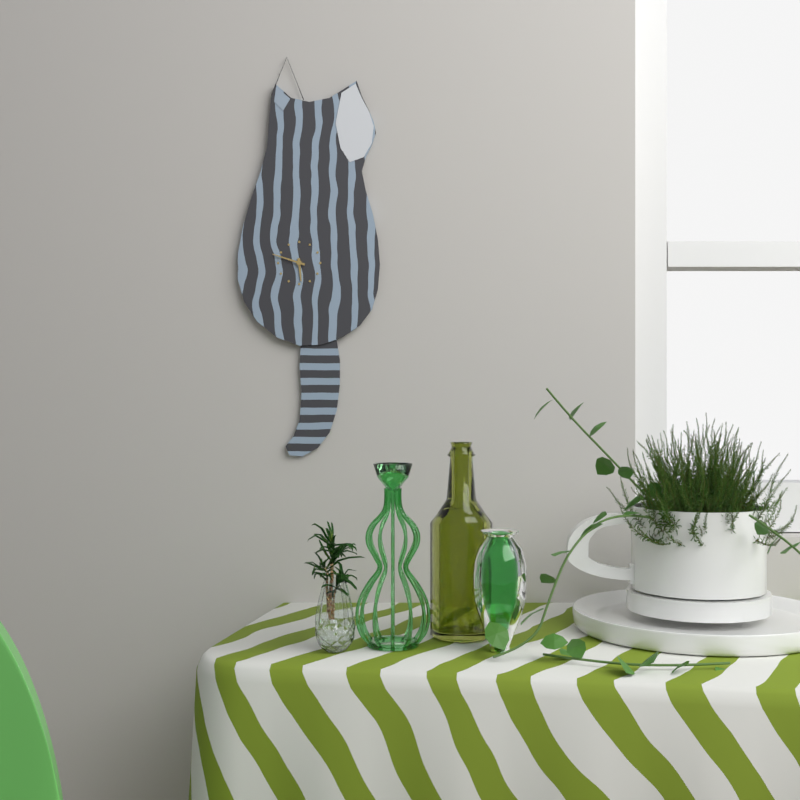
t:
5,48
